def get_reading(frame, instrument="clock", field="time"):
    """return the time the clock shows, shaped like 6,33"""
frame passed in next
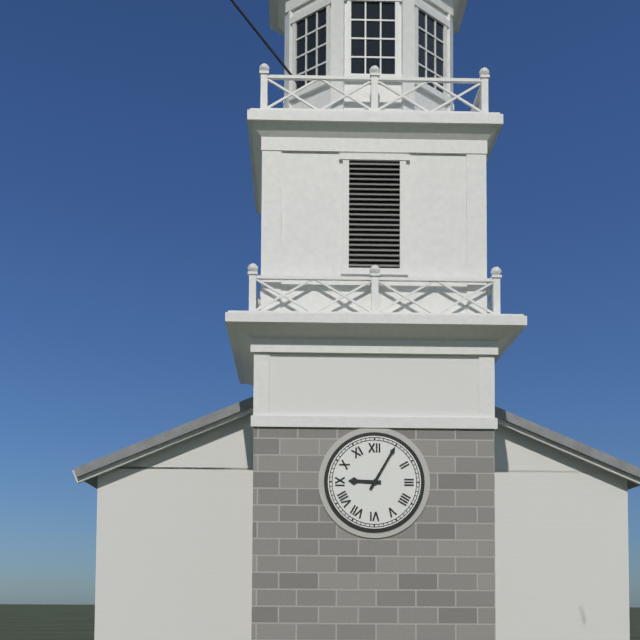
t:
9,05
